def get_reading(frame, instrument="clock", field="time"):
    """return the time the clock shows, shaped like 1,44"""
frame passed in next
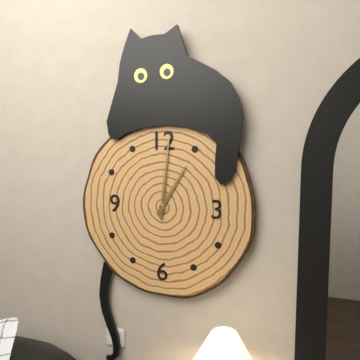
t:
1,01
